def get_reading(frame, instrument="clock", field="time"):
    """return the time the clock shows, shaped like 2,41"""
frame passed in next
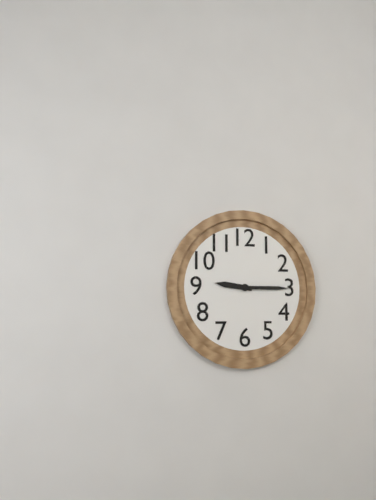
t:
9,15
